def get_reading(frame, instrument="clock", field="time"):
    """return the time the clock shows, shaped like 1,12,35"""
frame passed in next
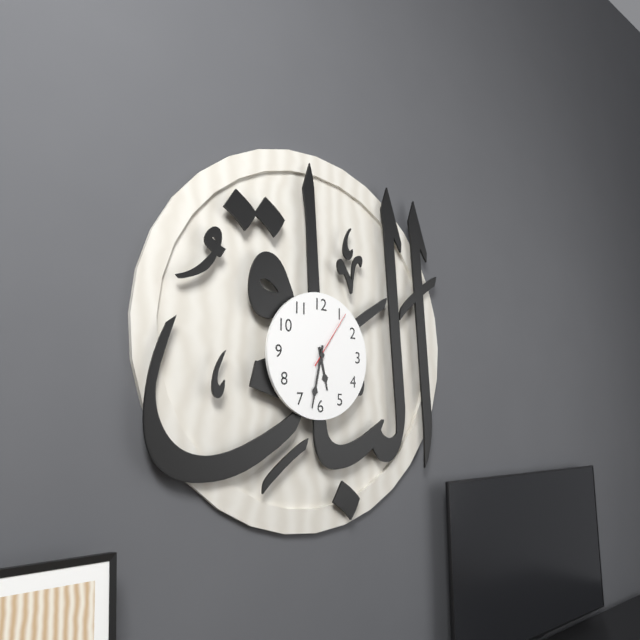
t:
5,32,06
